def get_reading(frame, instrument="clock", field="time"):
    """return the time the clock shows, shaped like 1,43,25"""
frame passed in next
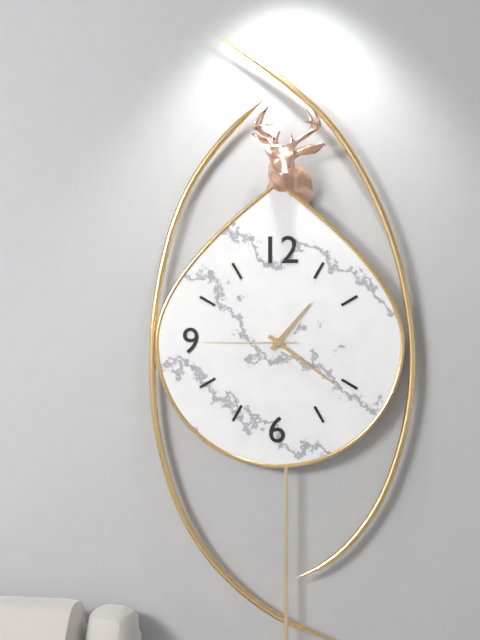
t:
1,21,45
